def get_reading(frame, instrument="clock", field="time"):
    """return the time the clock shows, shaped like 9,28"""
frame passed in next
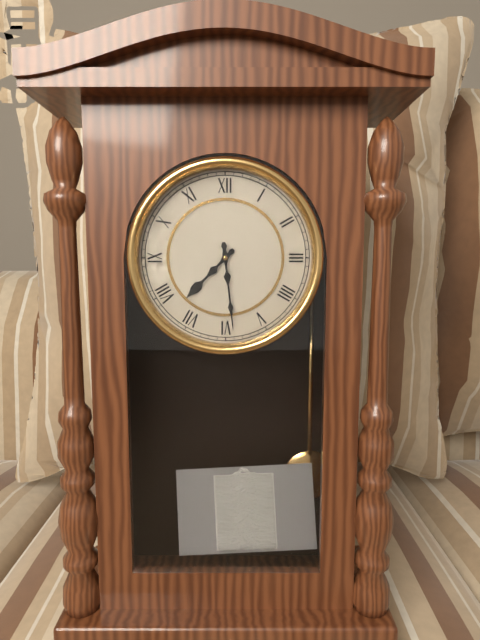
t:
7,29
